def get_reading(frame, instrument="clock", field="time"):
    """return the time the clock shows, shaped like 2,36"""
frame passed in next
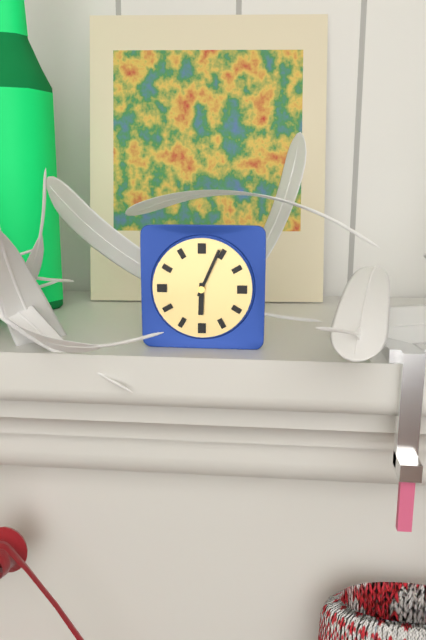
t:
6,04
